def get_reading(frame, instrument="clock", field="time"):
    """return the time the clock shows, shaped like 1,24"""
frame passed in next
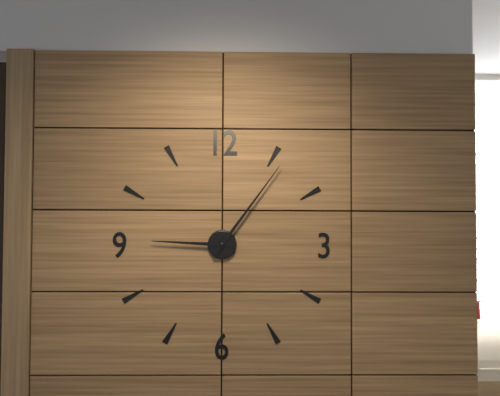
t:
9,06
